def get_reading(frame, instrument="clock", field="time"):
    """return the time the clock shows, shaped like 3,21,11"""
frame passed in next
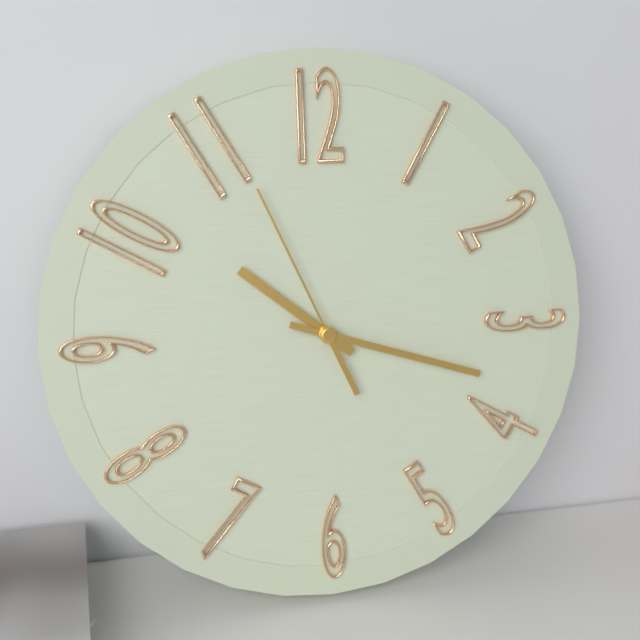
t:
10,18,56
